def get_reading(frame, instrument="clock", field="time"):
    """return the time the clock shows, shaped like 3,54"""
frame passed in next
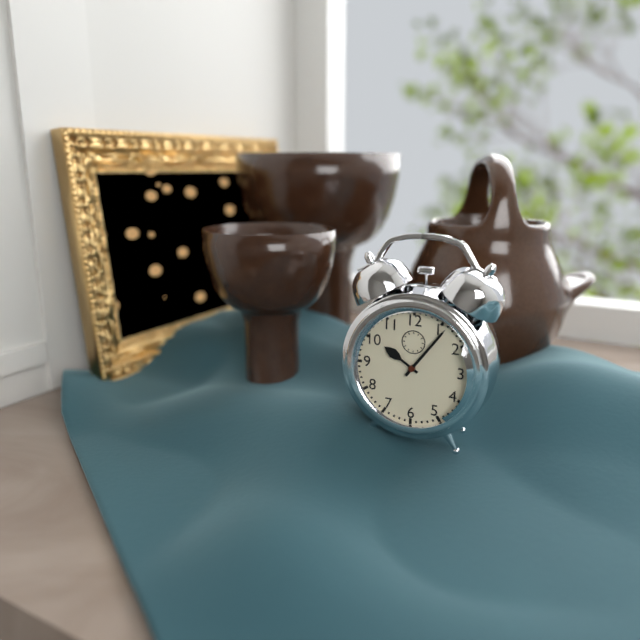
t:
10,06
